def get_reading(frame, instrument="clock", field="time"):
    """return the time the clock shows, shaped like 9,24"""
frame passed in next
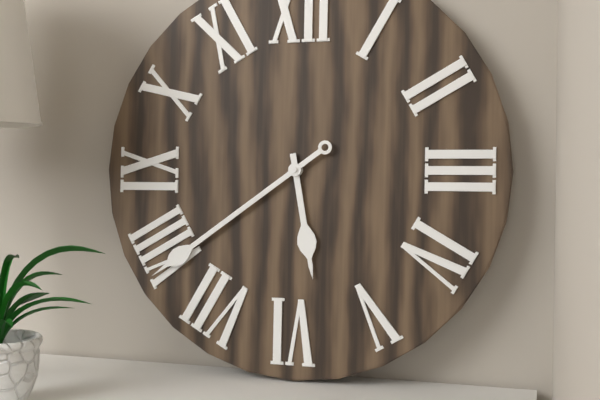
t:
5,39
